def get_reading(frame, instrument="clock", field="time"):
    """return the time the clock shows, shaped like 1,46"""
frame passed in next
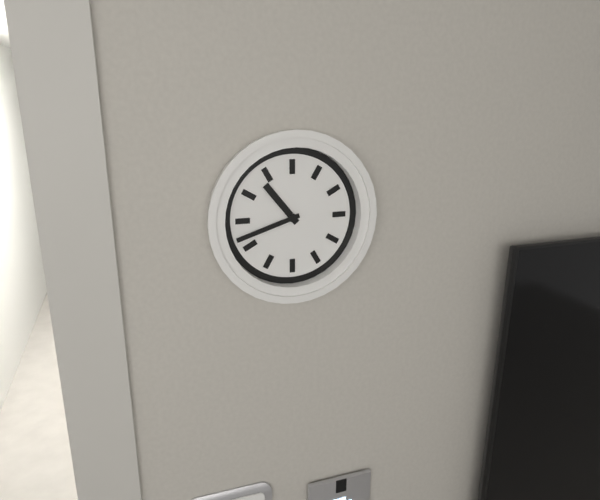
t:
10,42
